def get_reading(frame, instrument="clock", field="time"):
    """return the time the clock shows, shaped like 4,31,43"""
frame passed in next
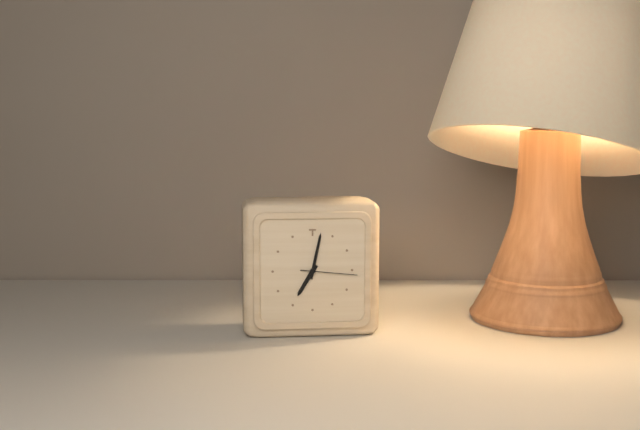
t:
7,02,16
